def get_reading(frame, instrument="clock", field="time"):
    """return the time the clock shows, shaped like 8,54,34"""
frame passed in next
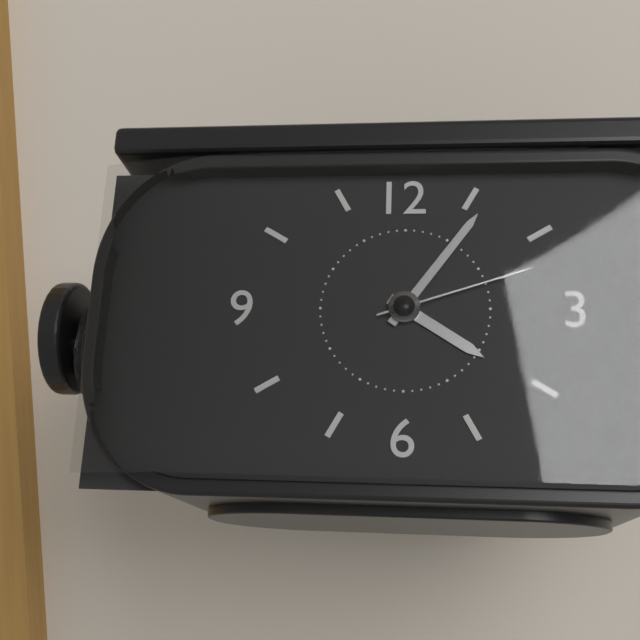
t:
4,06,12
